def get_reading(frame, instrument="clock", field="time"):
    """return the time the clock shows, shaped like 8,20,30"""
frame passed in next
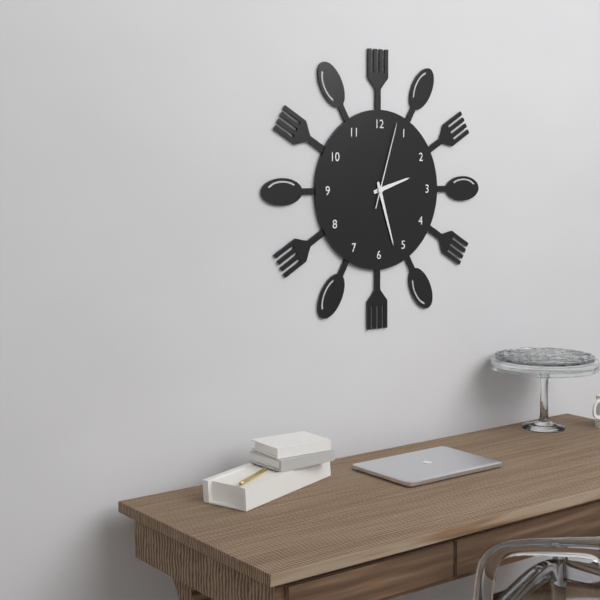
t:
2,27,03
